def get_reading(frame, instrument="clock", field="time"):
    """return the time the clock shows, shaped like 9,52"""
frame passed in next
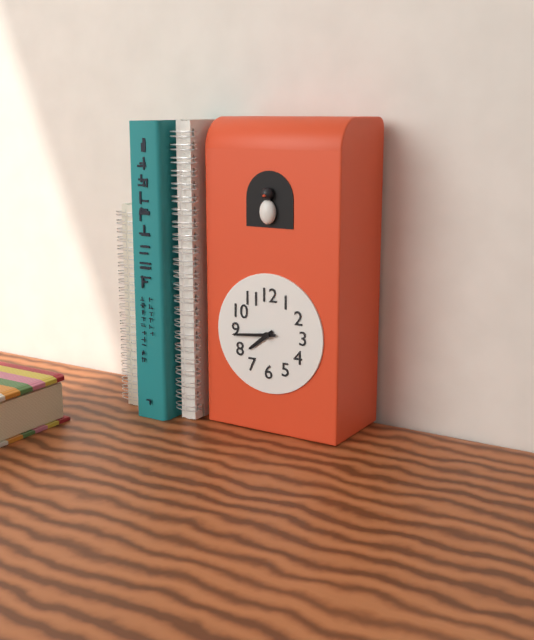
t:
7,44
